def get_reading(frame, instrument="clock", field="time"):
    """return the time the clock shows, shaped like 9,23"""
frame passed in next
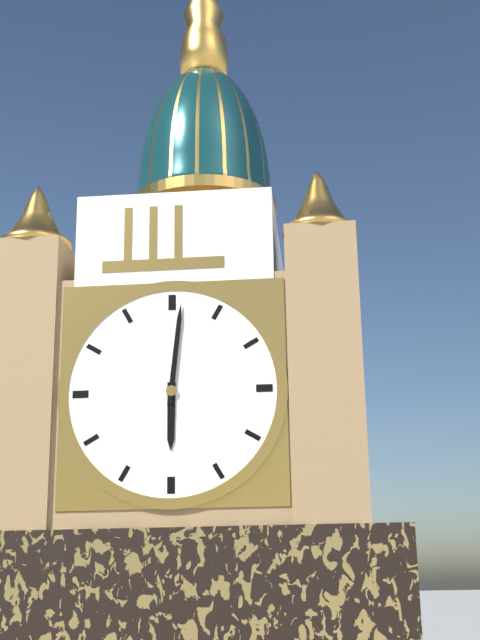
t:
6,01
